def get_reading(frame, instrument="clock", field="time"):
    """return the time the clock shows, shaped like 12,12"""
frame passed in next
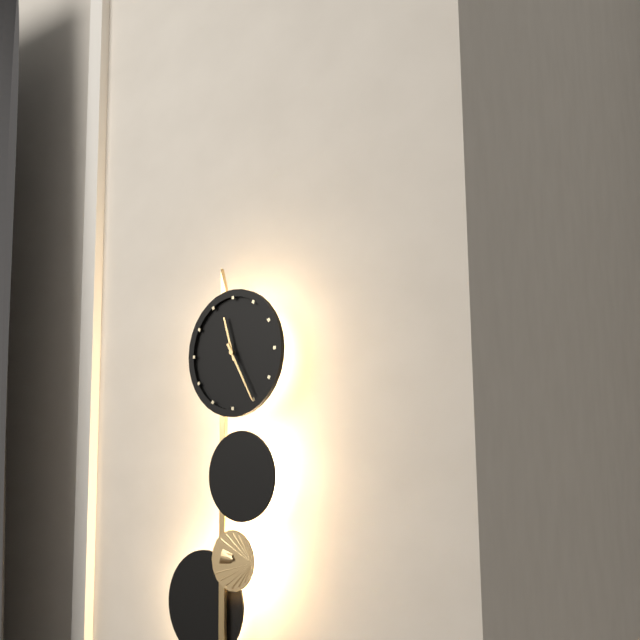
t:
11,25
